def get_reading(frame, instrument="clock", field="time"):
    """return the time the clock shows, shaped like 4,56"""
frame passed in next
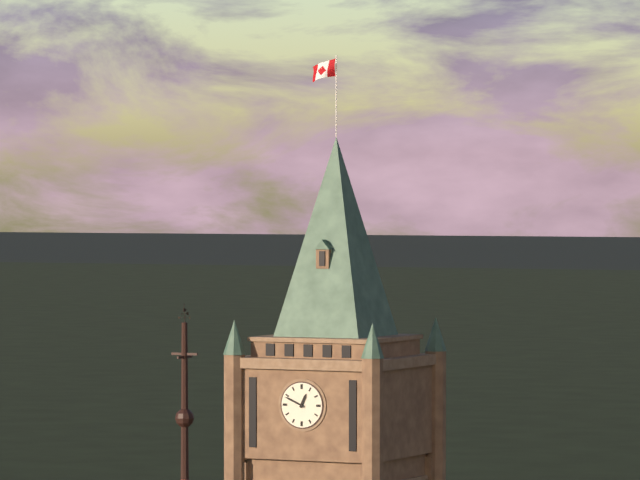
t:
12,49
